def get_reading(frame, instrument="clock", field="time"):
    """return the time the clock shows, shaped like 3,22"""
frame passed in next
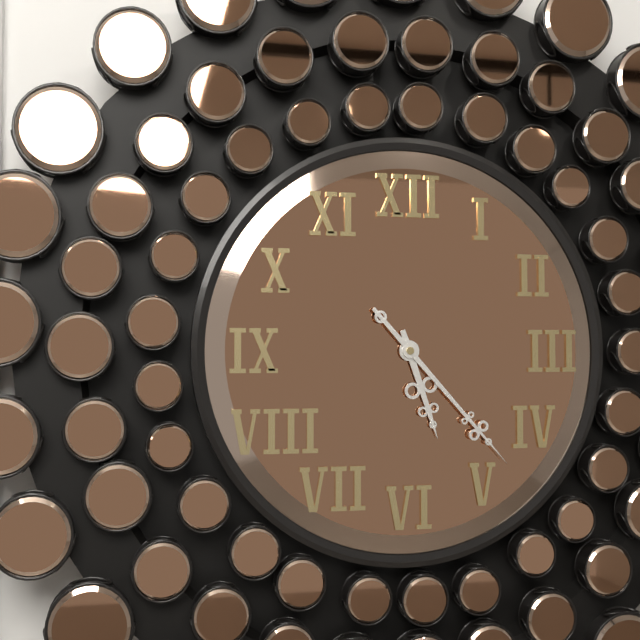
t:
5,23
